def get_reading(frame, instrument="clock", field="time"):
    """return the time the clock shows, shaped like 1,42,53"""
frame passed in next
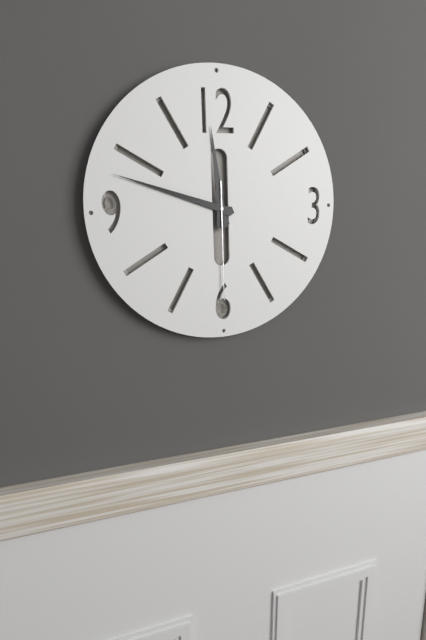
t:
11,48,30
